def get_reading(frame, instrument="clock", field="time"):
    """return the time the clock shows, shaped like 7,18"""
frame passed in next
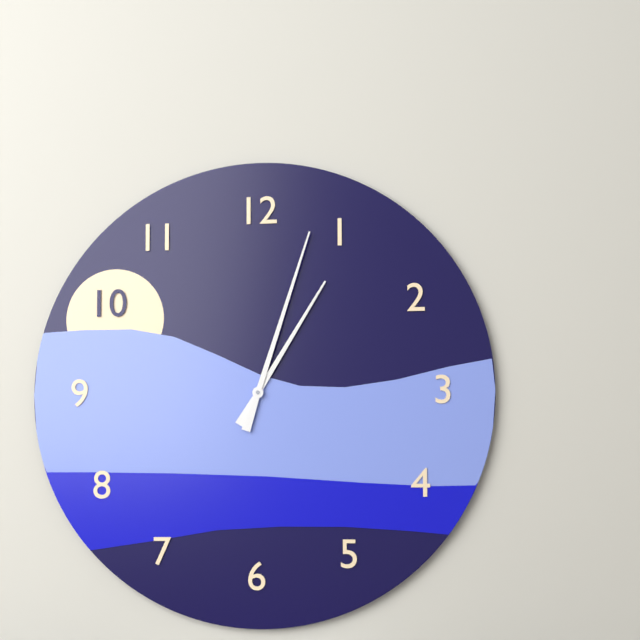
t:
1,03
